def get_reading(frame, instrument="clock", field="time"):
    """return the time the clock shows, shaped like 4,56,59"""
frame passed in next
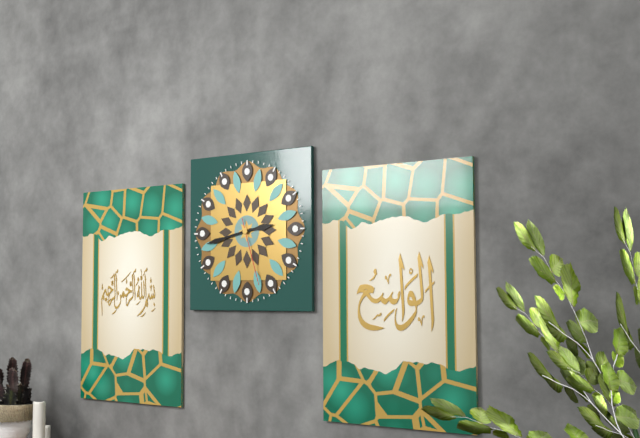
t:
2,43,27
